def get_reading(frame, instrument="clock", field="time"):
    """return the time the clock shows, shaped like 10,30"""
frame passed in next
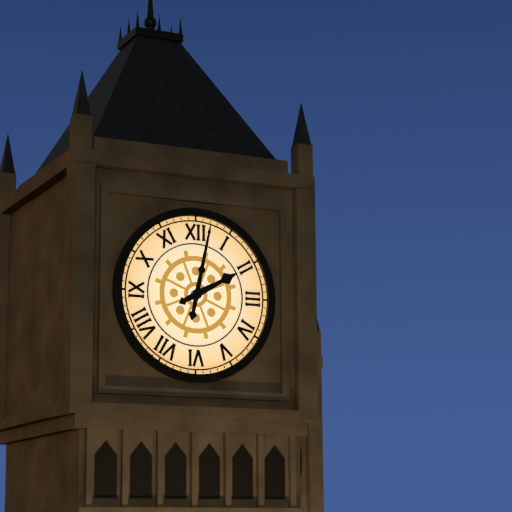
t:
2,02
